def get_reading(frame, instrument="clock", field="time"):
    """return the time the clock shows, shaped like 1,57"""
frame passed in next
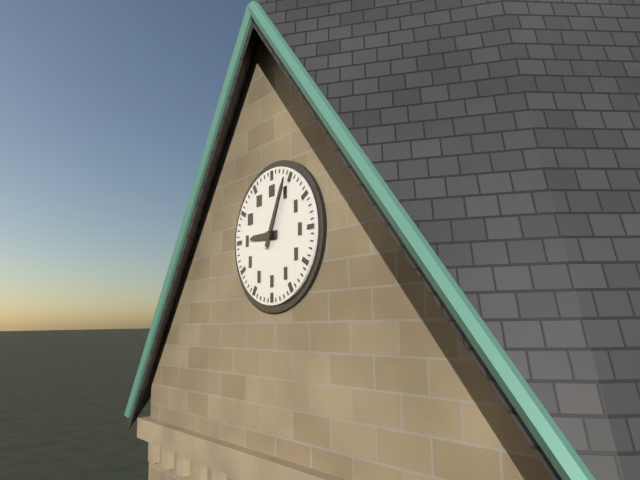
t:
9,04
